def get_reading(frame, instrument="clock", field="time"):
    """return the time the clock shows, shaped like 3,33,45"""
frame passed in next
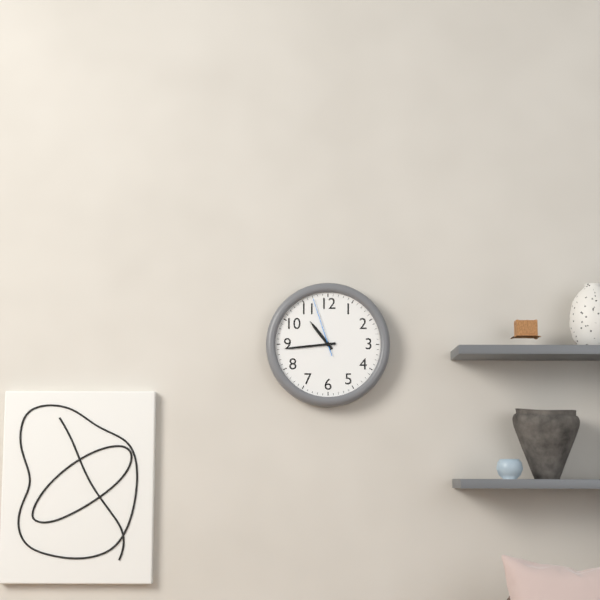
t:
10,44,57
